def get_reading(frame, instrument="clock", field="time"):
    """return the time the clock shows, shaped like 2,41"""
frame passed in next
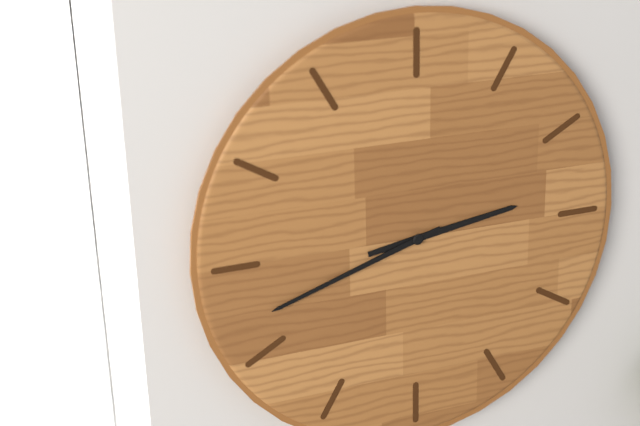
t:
2,42
